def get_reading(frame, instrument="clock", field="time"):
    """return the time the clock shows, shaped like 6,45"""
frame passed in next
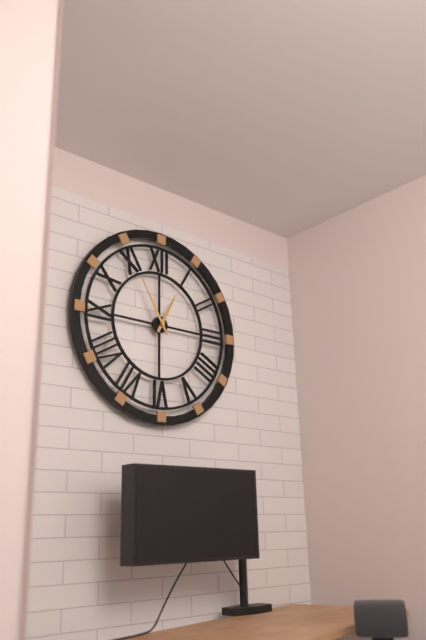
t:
12,55
